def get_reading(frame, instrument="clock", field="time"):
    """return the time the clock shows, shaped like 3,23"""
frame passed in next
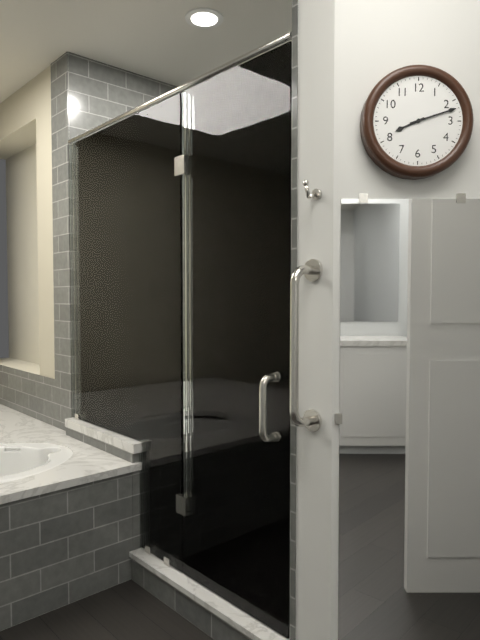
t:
8,12
